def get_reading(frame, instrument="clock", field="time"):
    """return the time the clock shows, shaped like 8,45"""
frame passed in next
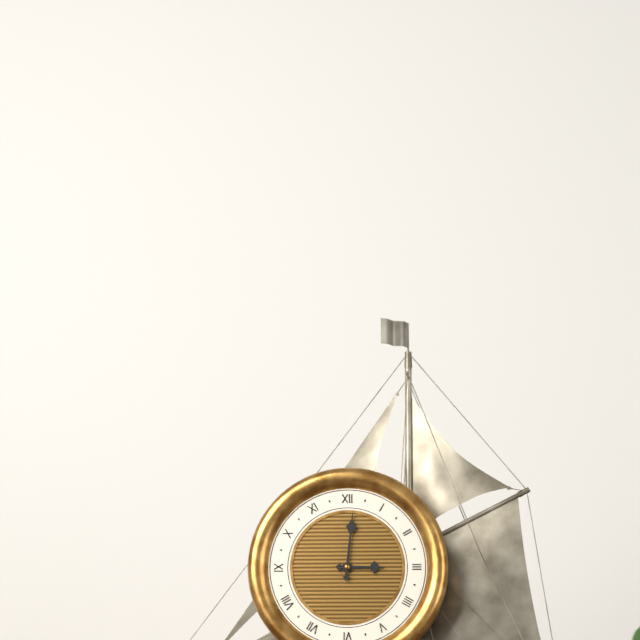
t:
3,01
